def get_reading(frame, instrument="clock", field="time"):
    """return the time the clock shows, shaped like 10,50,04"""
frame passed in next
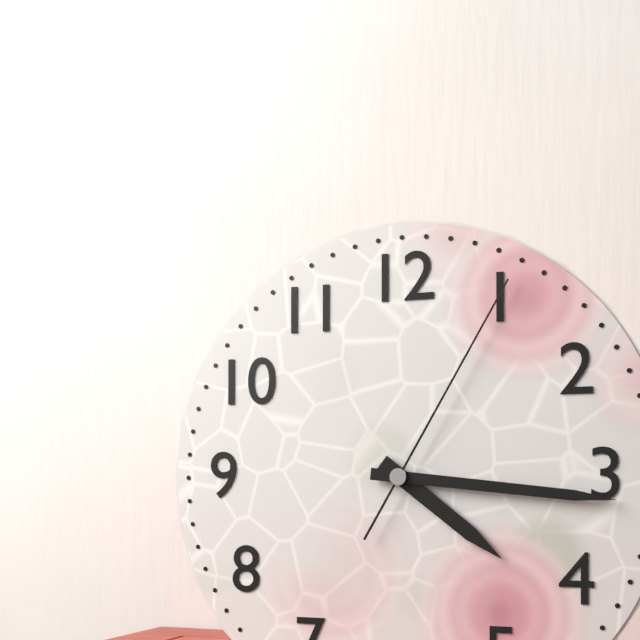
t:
4,16,05
